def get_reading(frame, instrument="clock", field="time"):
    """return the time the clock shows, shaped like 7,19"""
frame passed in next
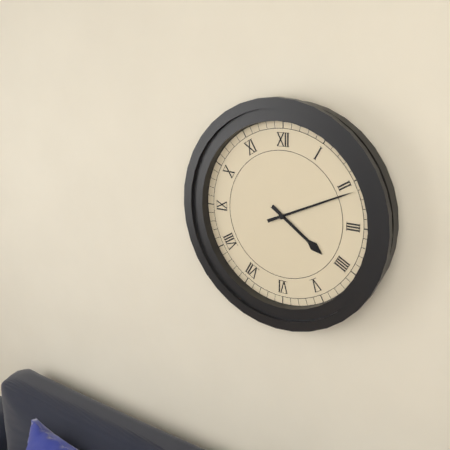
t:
4,11
